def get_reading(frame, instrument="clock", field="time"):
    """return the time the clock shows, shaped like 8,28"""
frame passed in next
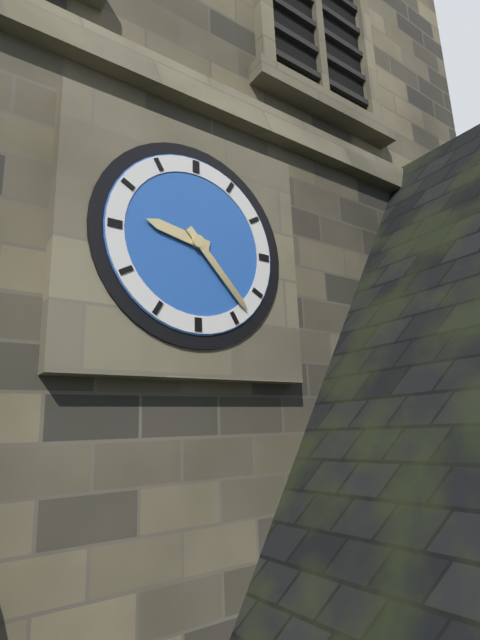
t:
9,23
